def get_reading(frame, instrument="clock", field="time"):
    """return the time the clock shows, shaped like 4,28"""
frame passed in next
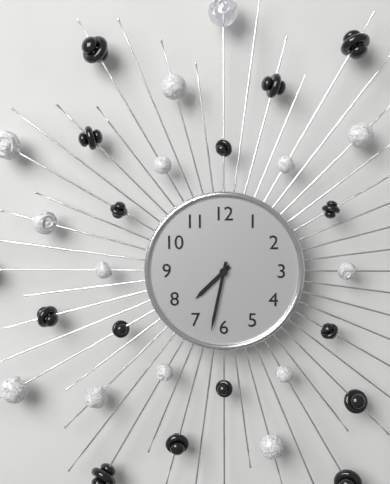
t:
7,32
